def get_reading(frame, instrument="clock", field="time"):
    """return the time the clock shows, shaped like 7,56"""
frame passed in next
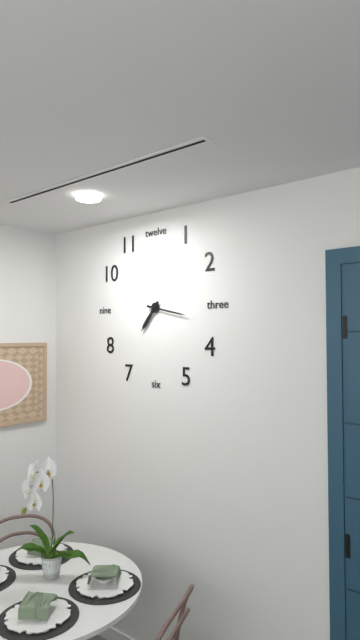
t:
7,17
